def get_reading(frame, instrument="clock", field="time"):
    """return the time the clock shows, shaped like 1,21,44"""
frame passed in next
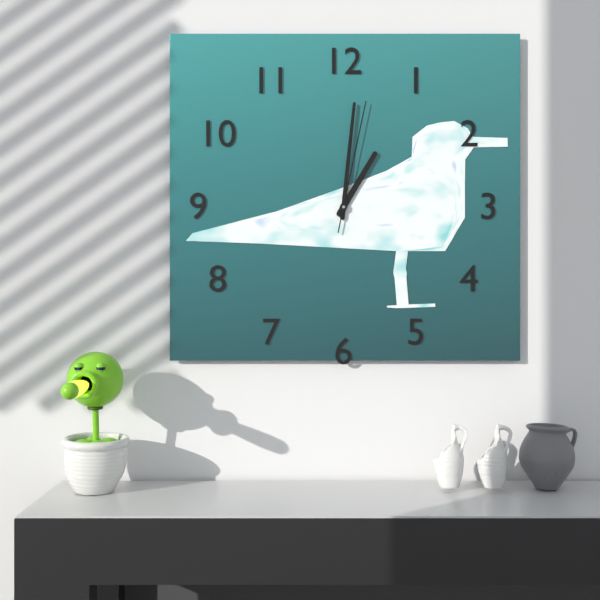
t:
1,01,02
